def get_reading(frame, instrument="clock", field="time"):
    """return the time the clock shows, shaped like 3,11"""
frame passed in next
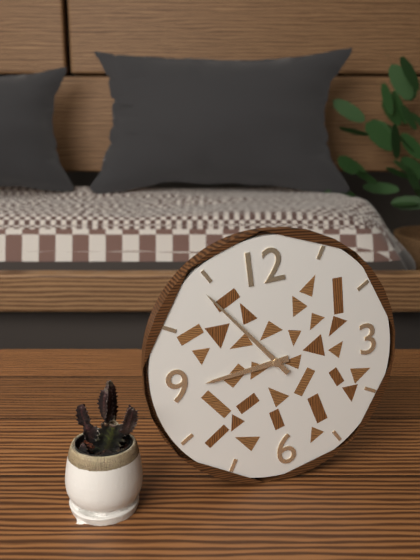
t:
8,54
